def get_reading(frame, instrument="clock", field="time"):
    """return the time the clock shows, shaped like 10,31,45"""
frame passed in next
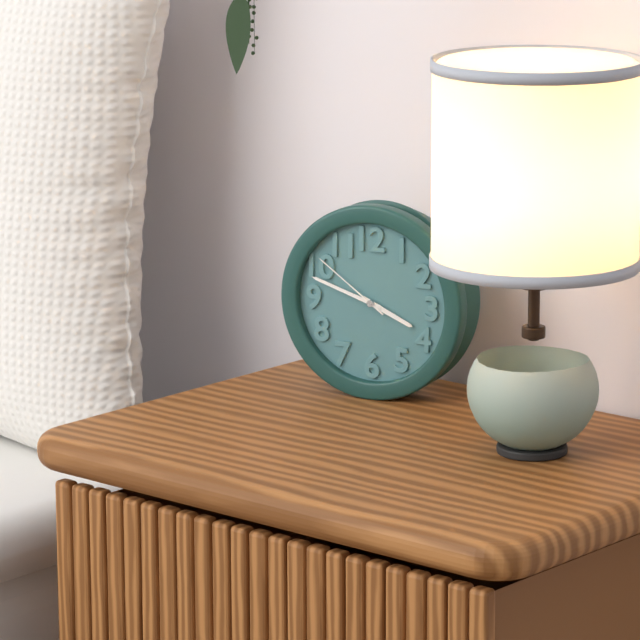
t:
3,48,51
